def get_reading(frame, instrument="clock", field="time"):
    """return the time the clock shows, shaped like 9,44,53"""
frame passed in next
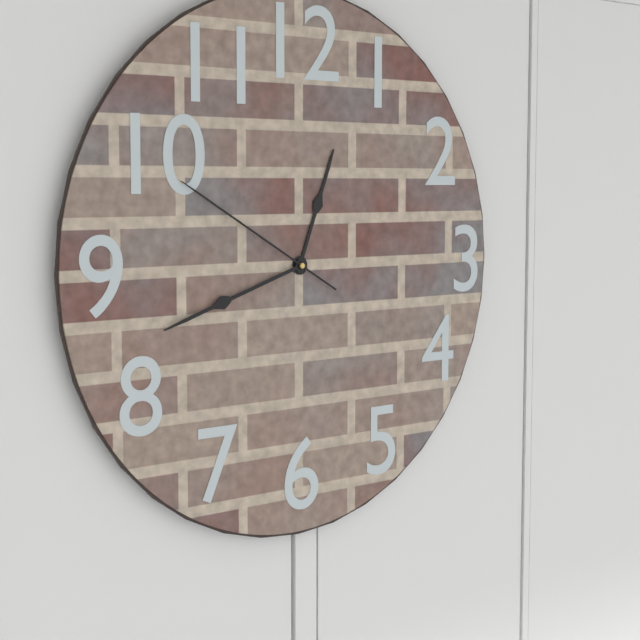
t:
12,42,50
